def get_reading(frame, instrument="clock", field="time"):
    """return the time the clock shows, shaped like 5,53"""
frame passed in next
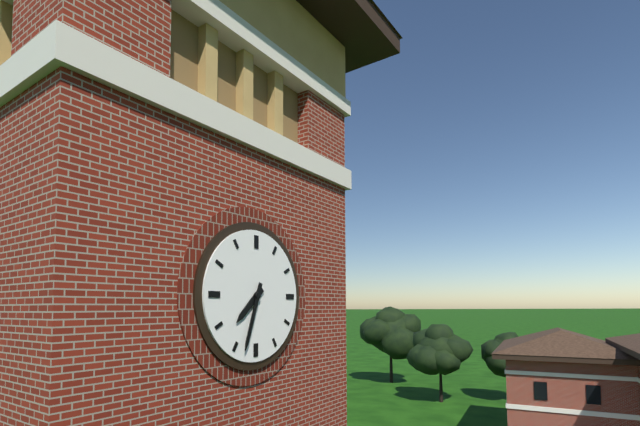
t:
7,33
